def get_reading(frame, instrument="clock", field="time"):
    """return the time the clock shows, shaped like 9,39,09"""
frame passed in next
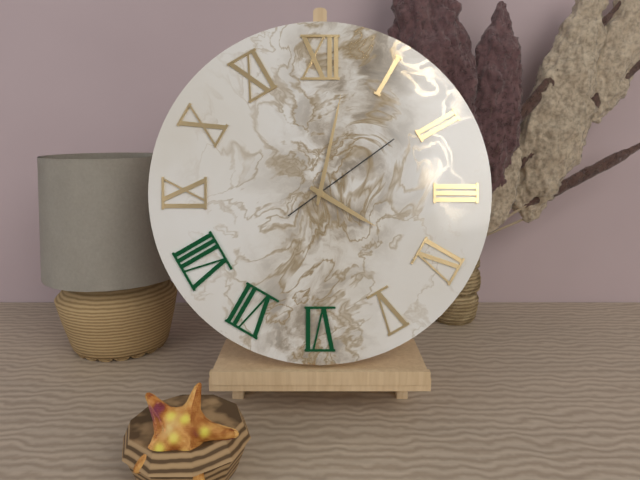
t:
4,02,09
